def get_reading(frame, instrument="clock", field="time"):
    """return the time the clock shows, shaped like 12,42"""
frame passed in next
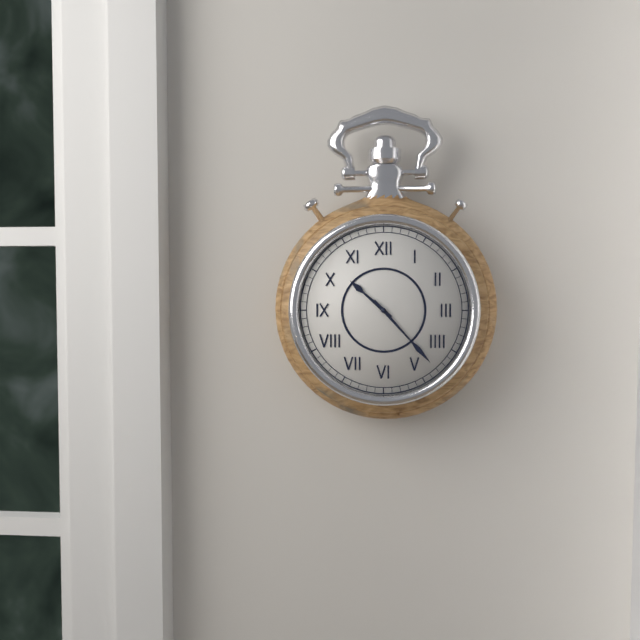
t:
10,23
